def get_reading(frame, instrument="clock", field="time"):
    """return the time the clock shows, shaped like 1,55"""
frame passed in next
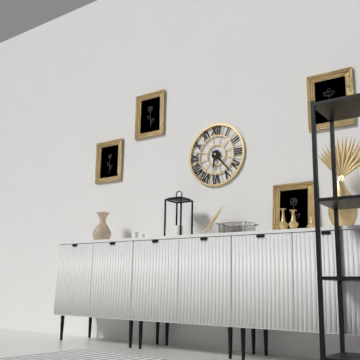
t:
6,23
